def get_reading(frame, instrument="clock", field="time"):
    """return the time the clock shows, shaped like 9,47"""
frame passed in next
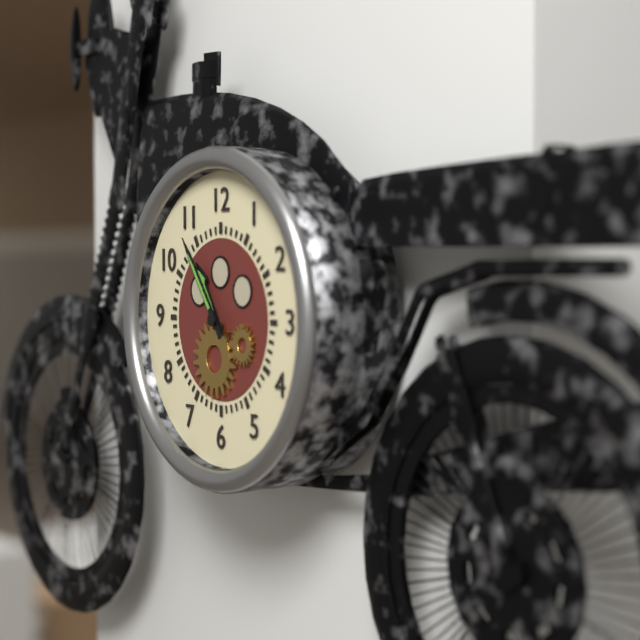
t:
10,54
